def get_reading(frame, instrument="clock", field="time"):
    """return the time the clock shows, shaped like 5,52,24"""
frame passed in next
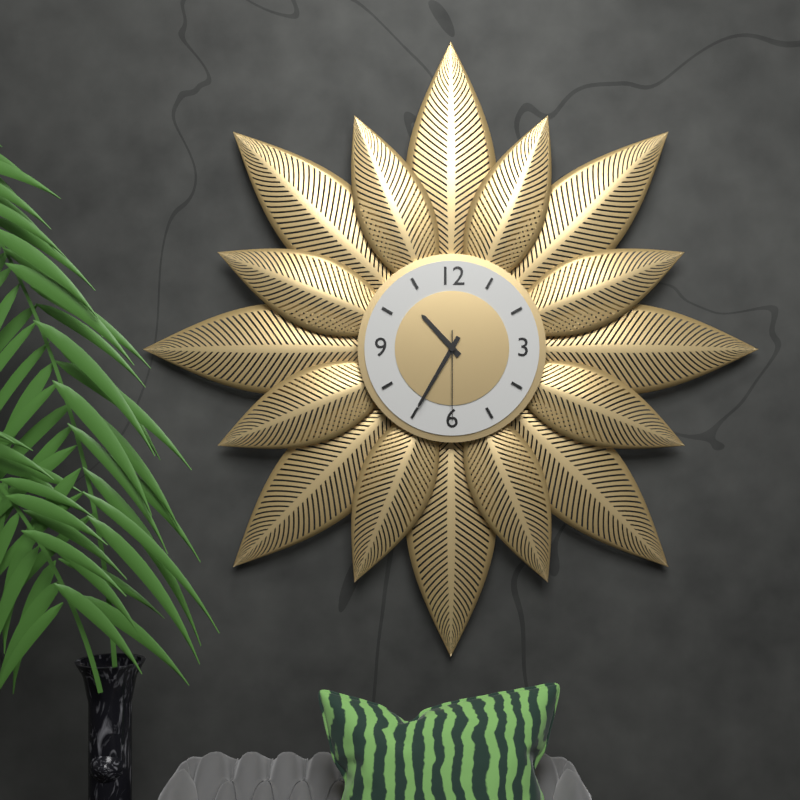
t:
10,35,30
